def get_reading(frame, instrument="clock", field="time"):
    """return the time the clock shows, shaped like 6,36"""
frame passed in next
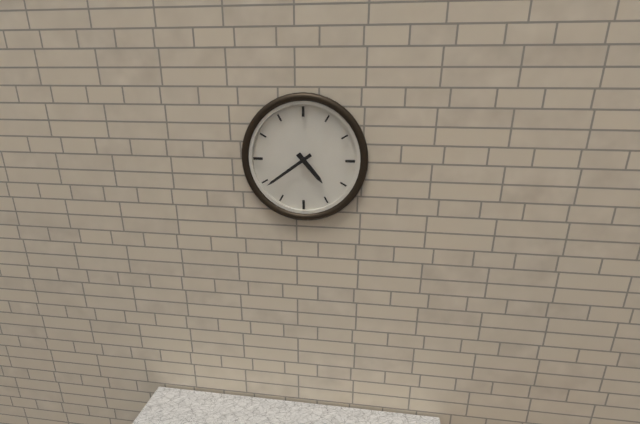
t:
4,39
